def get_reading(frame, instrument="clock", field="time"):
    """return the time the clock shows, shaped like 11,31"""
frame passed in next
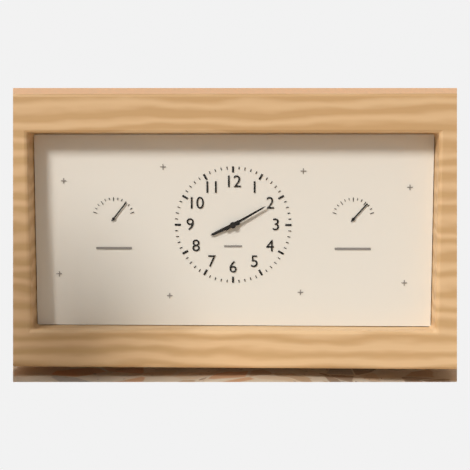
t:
8,10
